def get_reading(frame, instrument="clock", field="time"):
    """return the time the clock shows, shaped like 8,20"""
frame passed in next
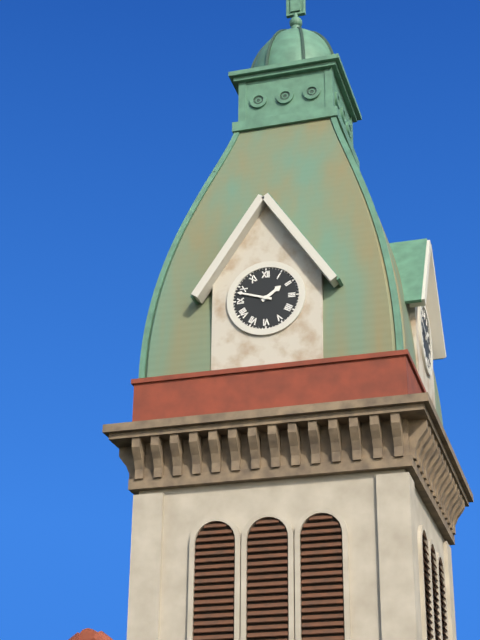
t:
1,48
